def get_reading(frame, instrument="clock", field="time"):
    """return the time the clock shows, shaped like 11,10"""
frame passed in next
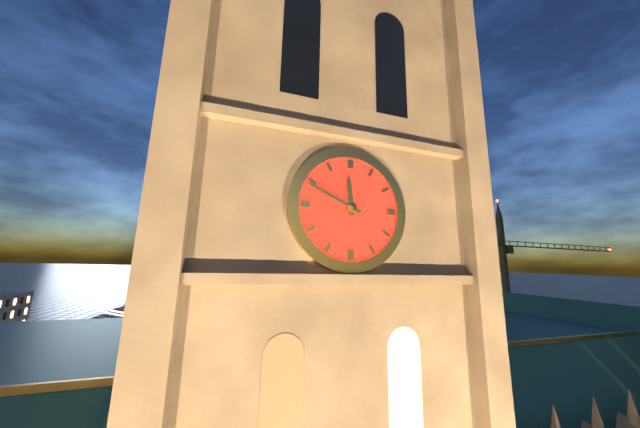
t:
11,49
